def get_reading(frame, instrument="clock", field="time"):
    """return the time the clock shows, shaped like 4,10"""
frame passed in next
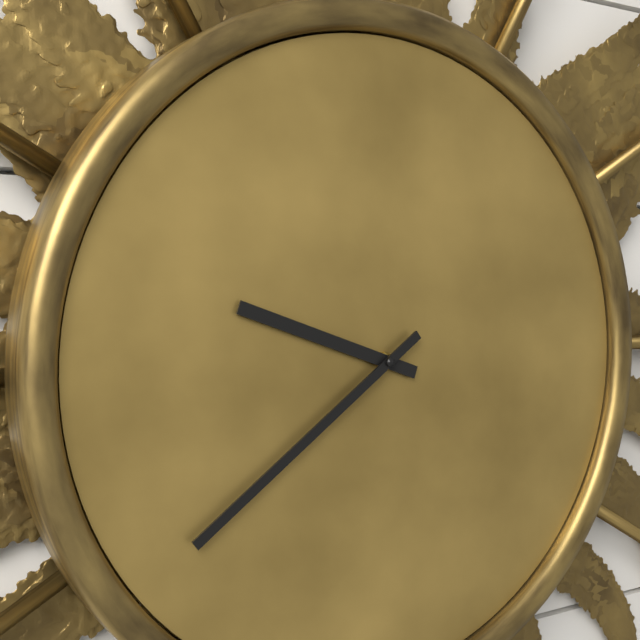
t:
9,39
